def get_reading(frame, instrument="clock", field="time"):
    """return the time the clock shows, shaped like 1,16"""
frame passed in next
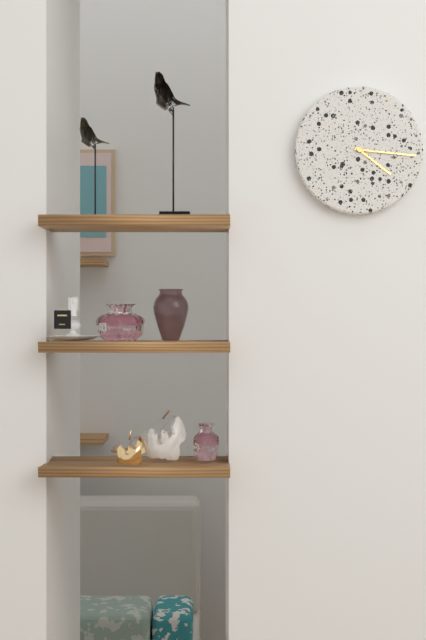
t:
4,16
